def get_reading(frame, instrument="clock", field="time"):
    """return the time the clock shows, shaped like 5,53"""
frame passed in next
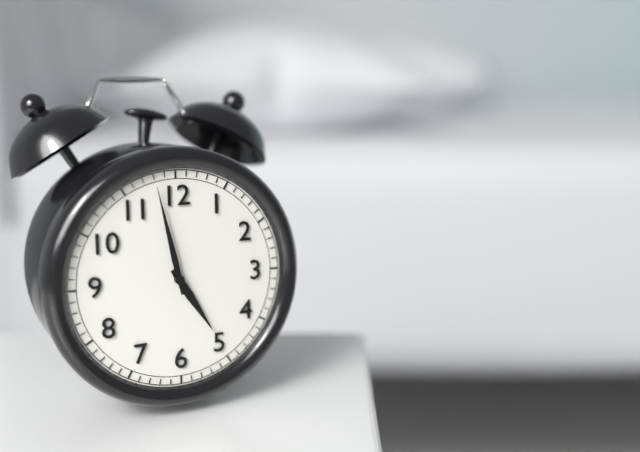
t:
4,58
